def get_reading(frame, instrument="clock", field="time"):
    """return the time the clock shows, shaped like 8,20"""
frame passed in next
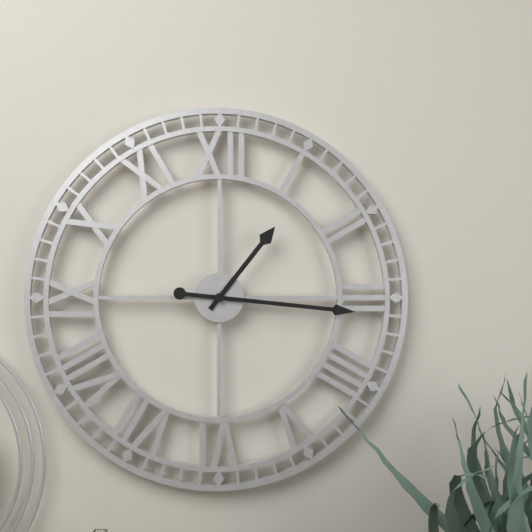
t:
1,16
